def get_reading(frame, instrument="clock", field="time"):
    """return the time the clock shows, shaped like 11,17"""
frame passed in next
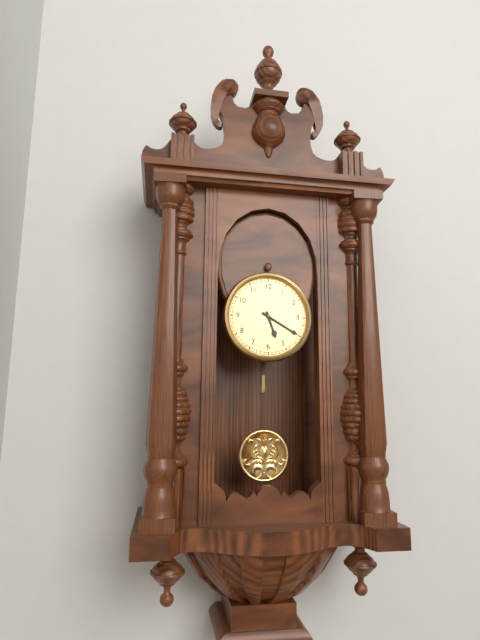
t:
5,20
